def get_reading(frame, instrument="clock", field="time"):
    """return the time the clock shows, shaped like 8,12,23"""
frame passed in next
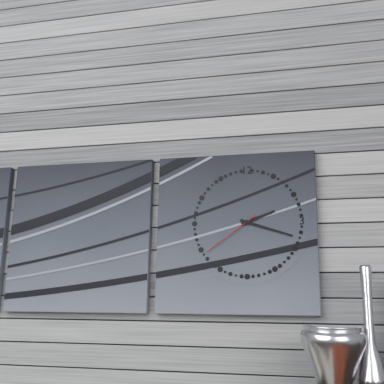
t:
2,18,39
